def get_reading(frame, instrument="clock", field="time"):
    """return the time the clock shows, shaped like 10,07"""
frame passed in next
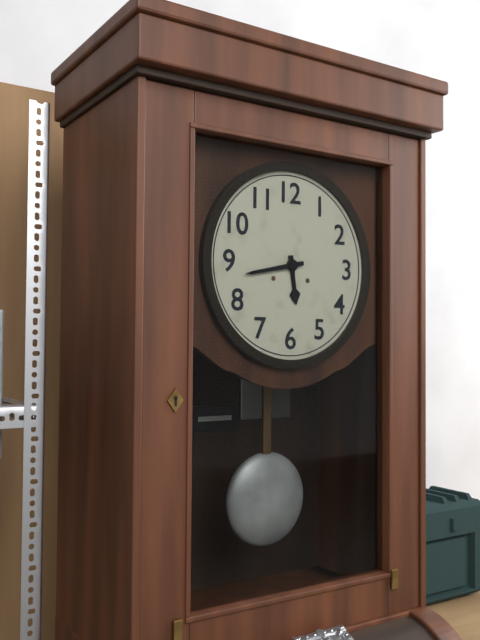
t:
5,43
